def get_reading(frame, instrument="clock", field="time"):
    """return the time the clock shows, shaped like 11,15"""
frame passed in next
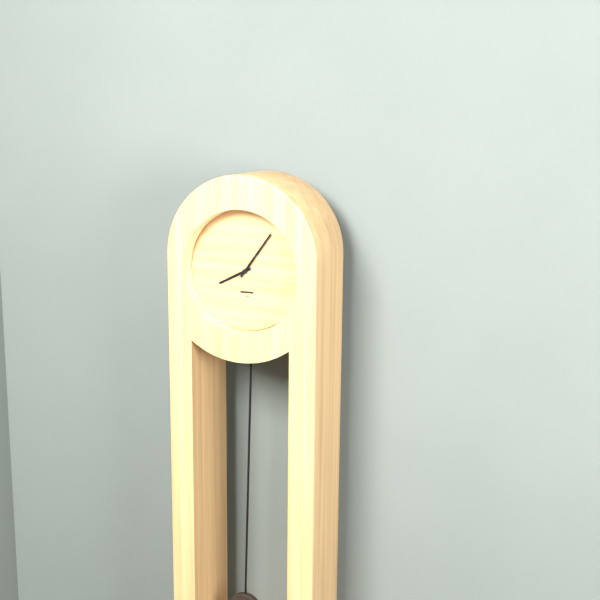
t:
8,06
